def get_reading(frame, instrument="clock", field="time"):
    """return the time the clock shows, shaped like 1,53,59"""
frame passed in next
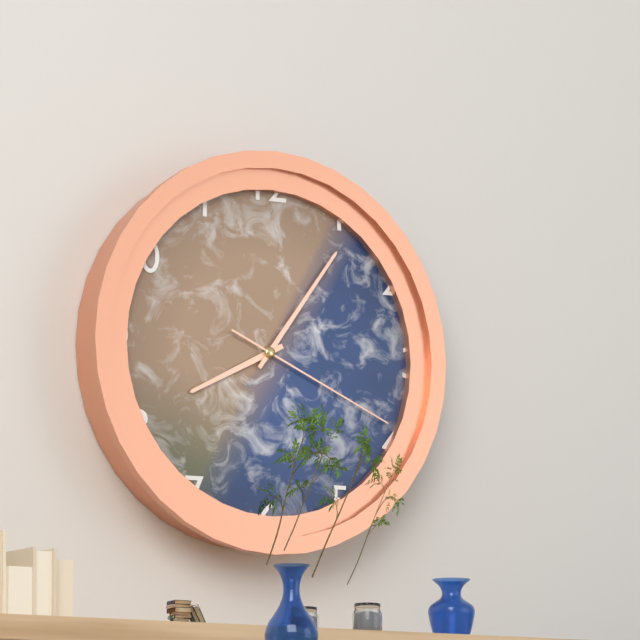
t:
8,06,19
